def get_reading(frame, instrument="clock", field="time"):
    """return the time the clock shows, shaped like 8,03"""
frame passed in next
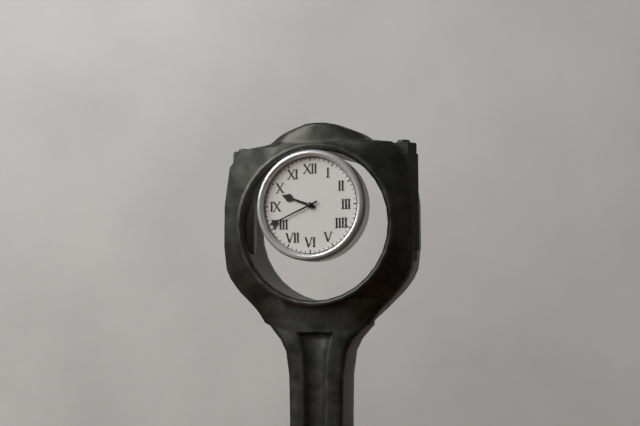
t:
9,41
